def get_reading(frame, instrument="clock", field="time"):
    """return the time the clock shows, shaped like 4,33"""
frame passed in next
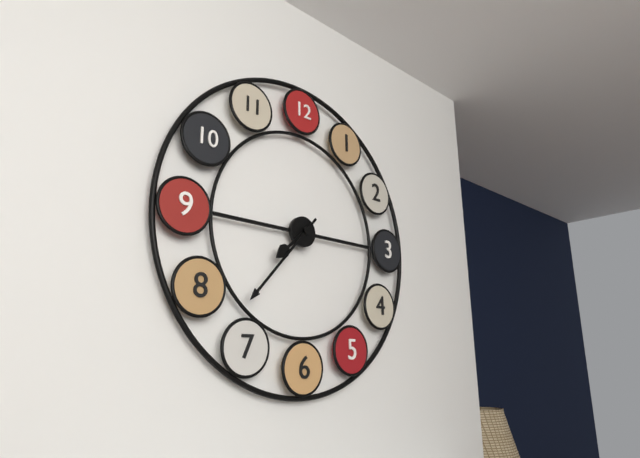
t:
7,37
